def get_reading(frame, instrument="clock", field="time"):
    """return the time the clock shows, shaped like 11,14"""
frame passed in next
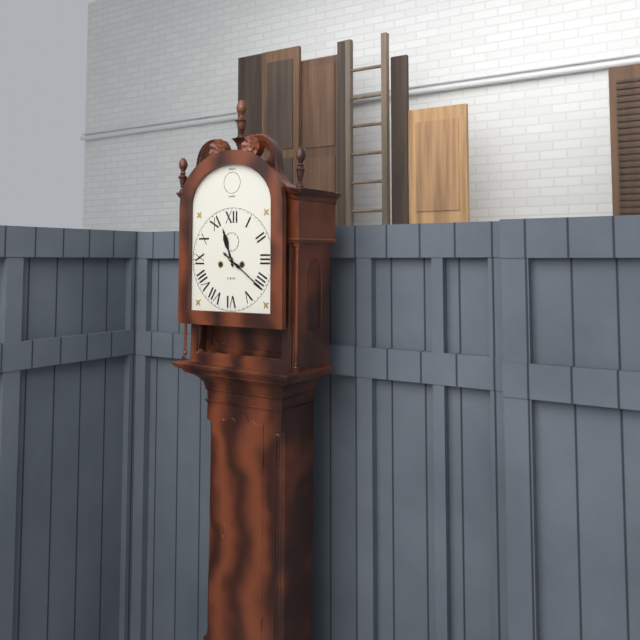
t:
11,21
